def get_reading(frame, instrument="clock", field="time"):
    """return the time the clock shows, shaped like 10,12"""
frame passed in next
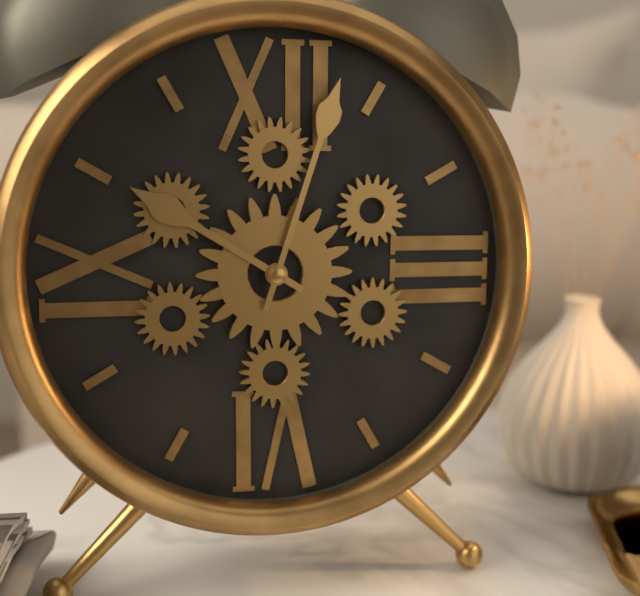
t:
10,03
